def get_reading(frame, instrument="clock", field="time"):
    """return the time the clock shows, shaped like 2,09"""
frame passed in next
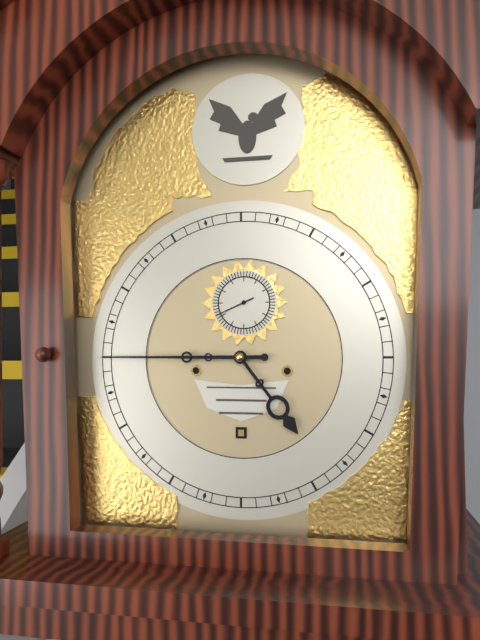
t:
4,45
